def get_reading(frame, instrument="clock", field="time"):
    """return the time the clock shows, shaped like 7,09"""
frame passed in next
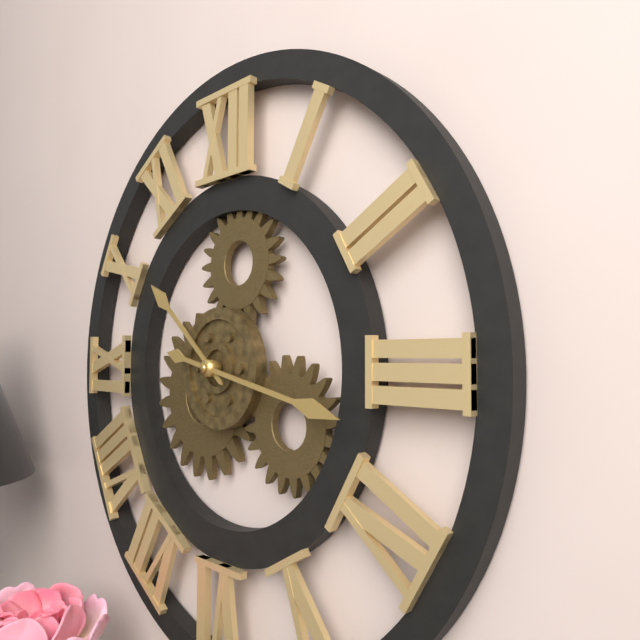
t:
10,17
